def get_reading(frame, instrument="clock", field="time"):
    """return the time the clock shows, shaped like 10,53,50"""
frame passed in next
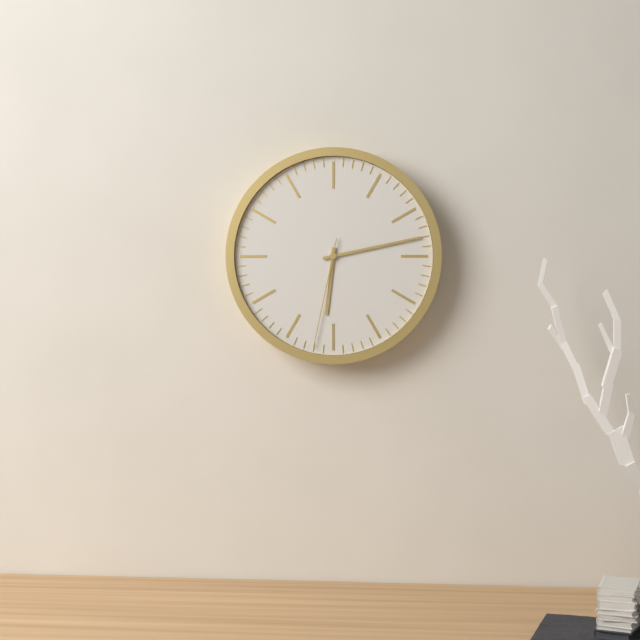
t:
6,13,32
